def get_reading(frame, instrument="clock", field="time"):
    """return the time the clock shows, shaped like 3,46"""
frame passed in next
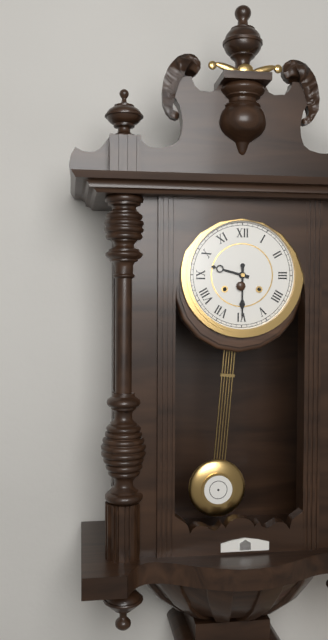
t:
9,30
